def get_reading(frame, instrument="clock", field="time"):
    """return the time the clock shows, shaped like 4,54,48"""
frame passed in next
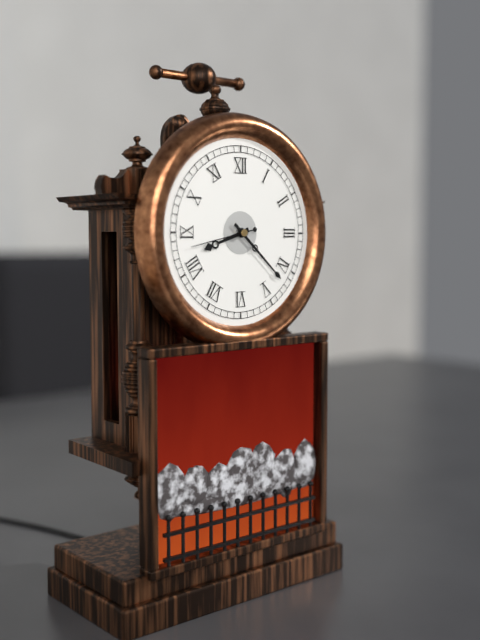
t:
8,22,43
